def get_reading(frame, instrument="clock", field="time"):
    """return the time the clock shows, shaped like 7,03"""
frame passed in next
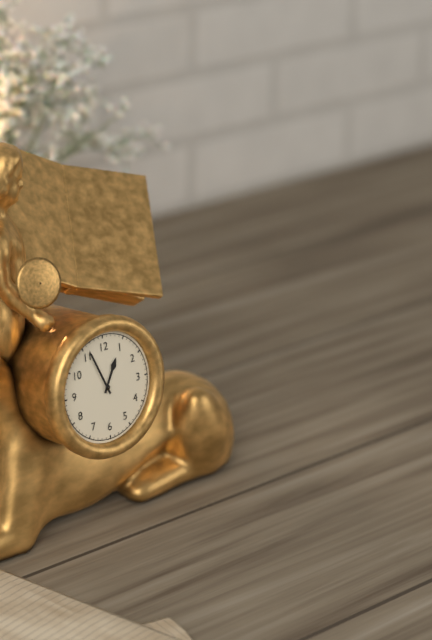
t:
12,56
